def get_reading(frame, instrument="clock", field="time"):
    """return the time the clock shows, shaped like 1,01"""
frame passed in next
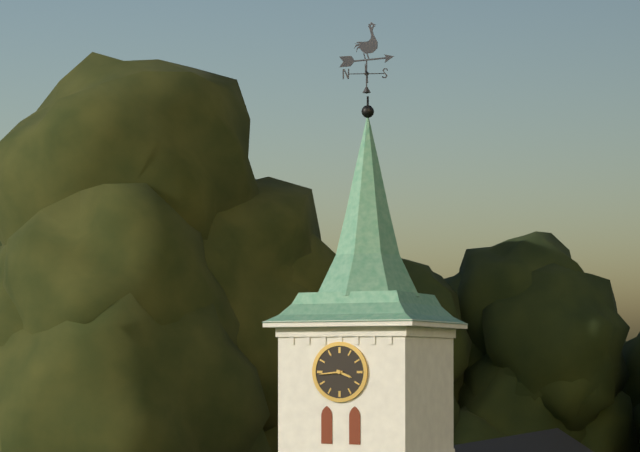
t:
3,44
